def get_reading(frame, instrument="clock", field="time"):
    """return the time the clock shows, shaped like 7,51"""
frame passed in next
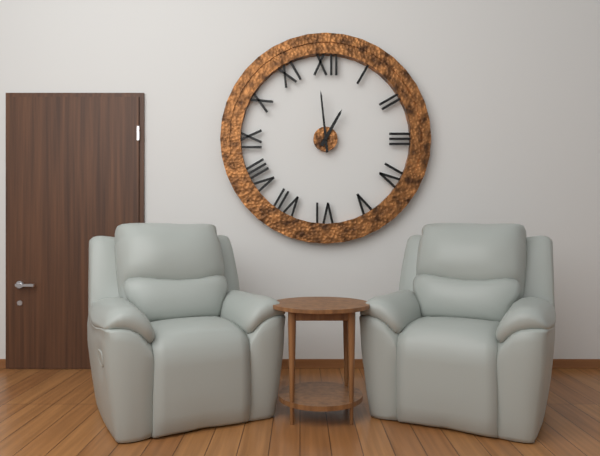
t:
12,59
